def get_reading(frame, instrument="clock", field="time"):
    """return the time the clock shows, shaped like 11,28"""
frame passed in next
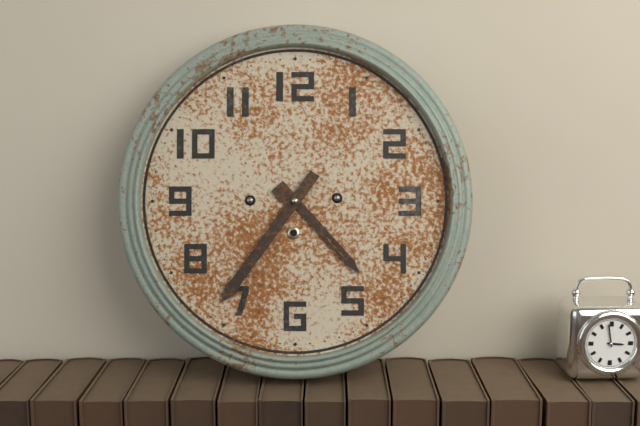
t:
4,36
